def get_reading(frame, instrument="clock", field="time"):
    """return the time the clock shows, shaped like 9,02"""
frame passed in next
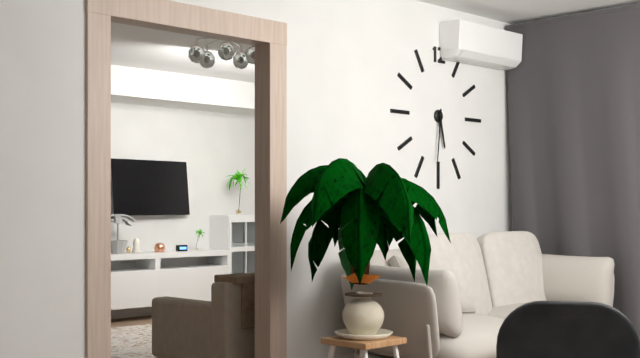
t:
5,31
